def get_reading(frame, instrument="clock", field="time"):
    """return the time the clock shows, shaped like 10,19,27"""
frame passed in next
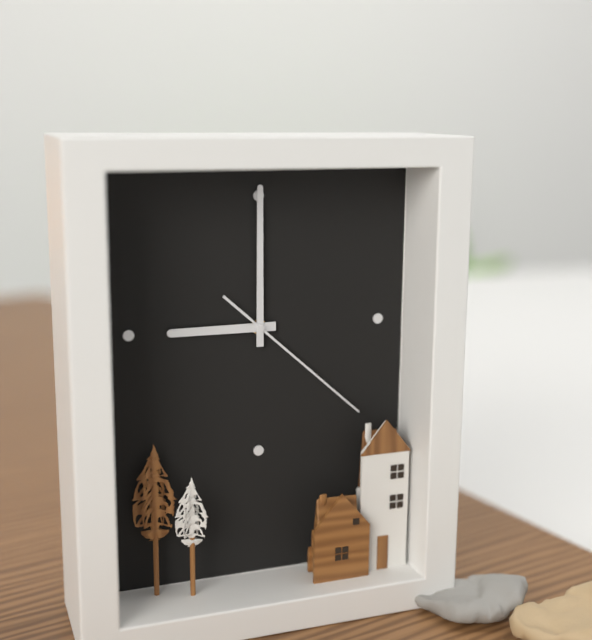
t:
9,00,22
